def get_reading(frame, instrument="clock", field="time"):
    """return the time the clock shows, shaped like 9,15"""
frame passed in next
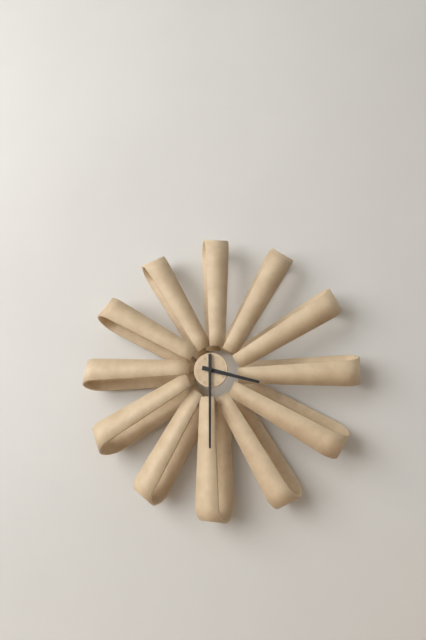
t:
3,30
